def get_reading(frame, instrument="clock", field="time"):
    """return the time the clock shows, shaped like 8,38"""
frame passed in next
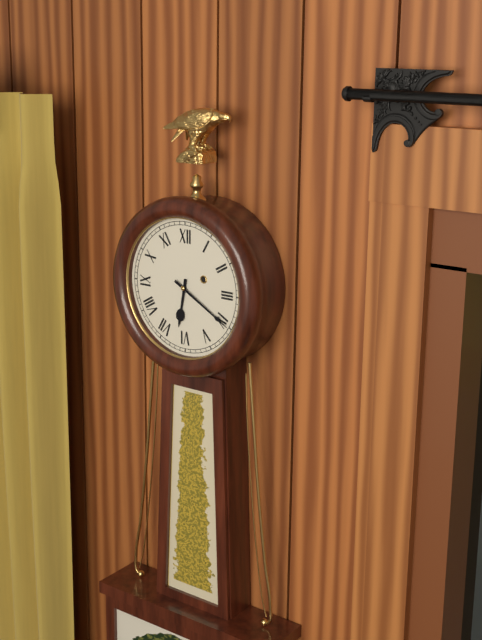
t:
6,20
